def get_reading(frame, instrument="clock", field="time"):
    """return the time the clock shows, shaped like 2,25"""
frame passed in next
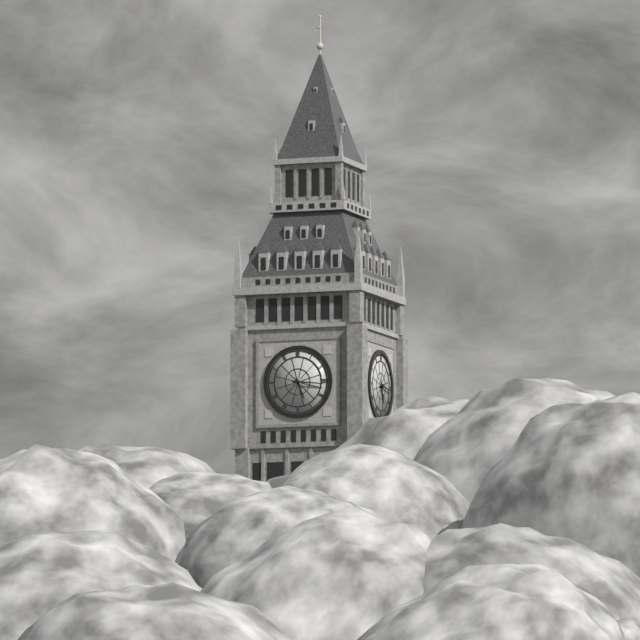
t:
5,16
